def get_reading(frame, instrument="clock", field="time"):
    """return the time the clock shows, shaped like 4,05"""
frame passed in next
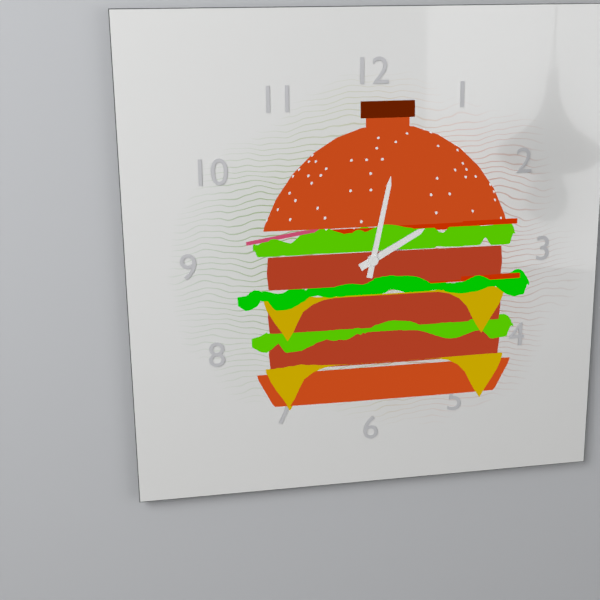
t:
2,02
